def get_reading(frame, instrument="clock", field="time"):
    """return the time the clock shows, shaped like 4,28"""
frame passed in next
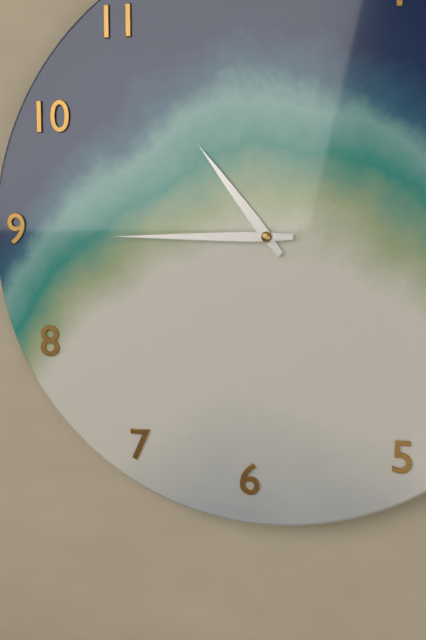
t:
10,45
